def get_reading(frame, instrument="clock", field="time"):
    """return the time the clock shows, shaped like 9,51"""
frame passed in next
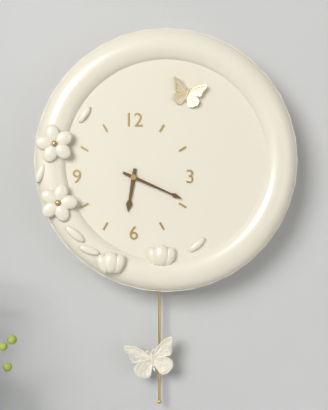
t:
6,19
